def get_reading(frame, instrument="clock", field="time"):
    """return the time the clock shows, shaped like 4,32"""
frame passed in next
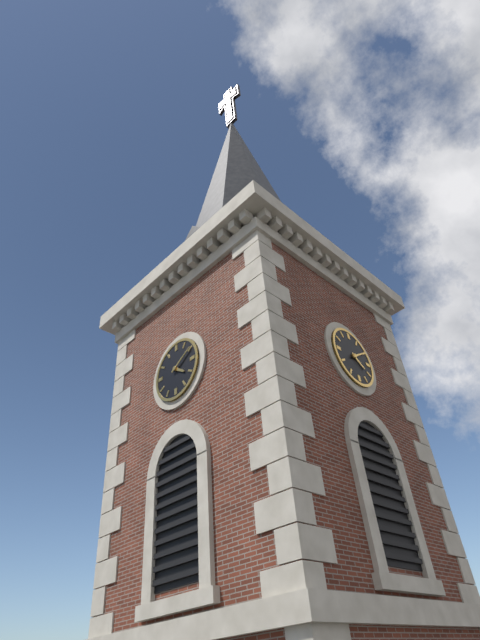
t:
4,10
